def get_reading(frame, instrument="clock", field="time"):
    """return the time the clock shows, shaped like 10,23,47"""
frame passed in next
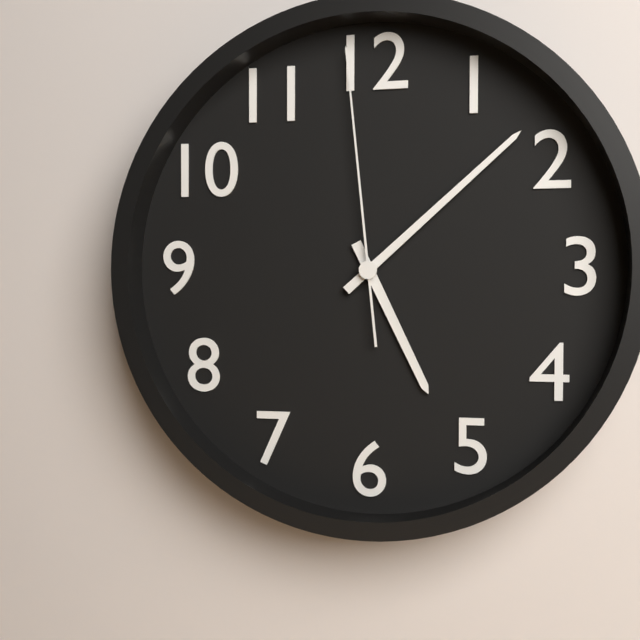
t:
5,08,59
